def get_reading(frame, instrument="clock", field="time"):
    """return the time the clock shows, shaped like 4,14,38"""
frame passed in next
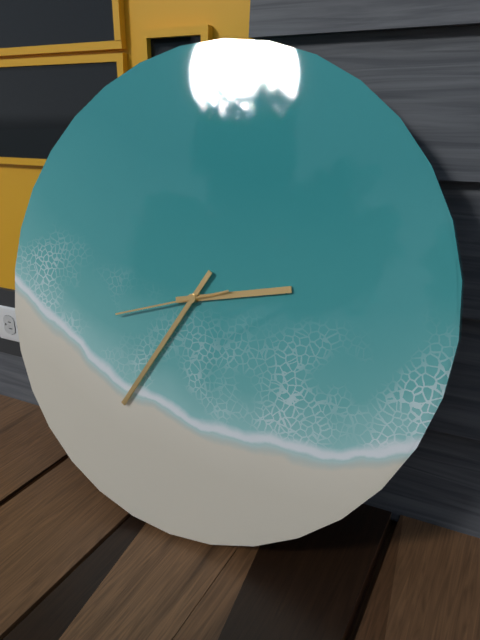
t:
2,35,42
